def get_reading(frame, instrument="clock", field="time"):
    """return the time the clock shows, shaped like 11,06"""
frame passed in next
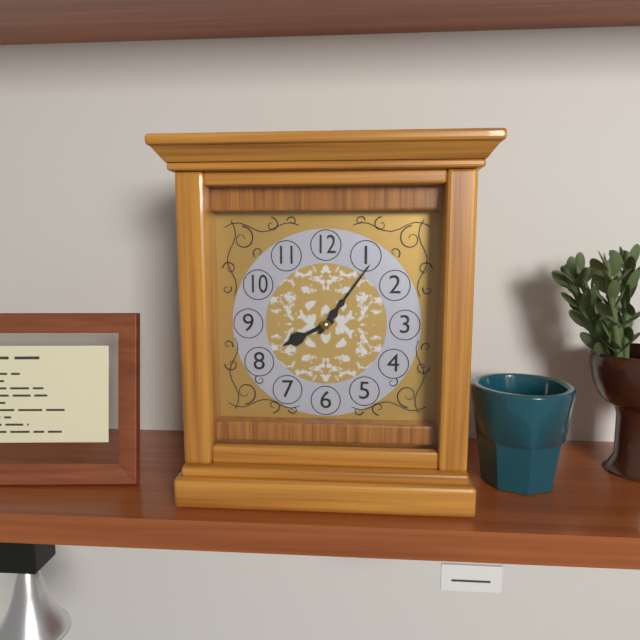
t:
8,06
